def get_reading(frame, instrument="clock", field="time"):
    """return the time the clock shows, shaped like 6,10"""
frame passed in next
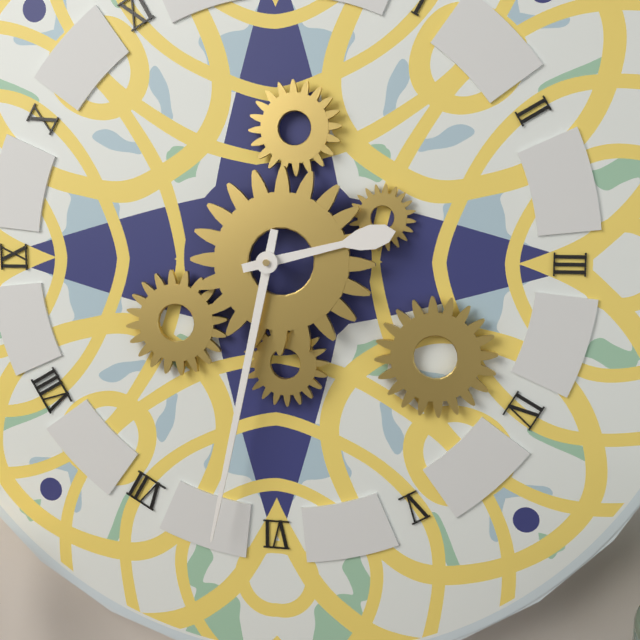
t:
2,32
